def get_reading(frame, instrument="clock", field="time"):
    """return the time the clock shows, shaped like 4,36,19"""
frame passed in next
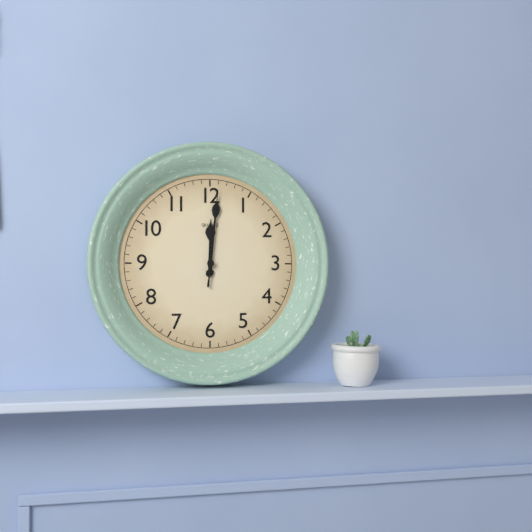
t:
12,01,01
